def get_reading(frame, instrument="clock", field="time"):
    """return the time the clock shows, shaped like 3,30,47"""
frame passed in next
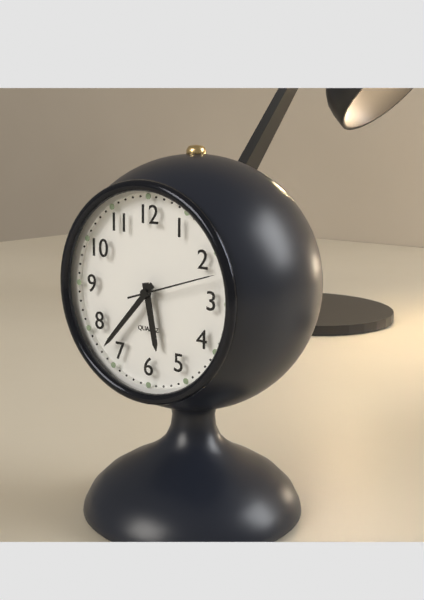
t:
5,37,12
